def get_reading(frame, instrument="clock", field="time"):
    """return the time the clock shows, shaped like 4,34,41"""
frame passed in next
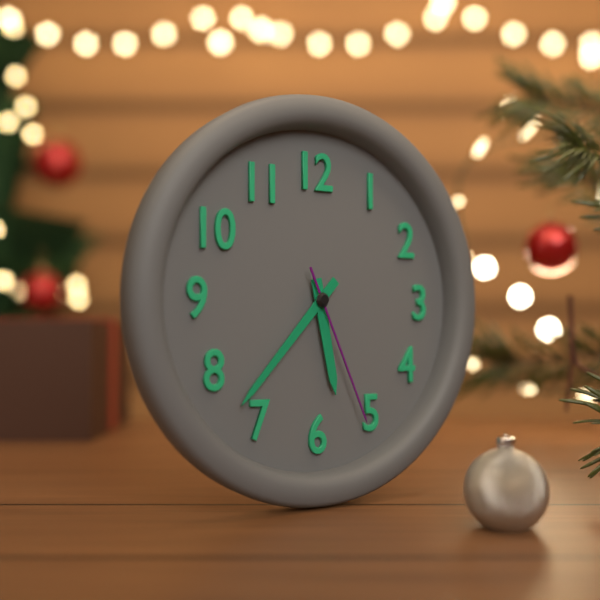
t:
5,37,26
